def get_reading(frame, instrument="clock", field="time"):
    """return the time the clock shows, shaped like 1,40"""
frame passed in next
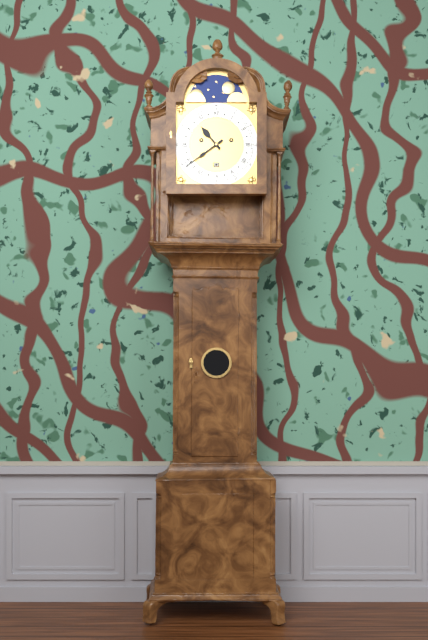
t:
10,39
